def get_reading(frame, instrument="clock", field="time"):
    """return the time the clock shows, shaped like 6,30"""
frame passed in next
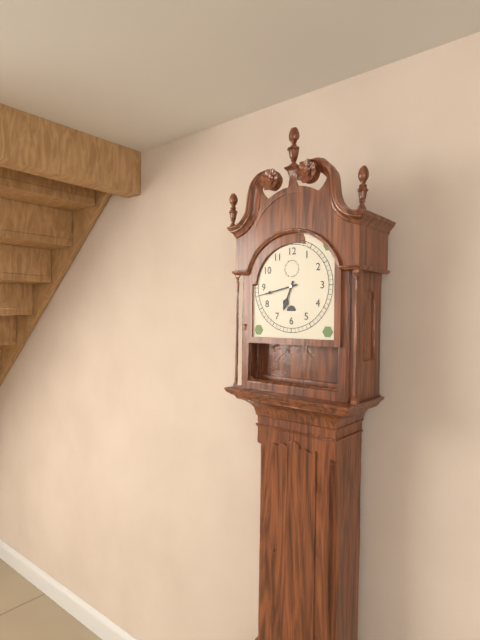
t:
6,43
